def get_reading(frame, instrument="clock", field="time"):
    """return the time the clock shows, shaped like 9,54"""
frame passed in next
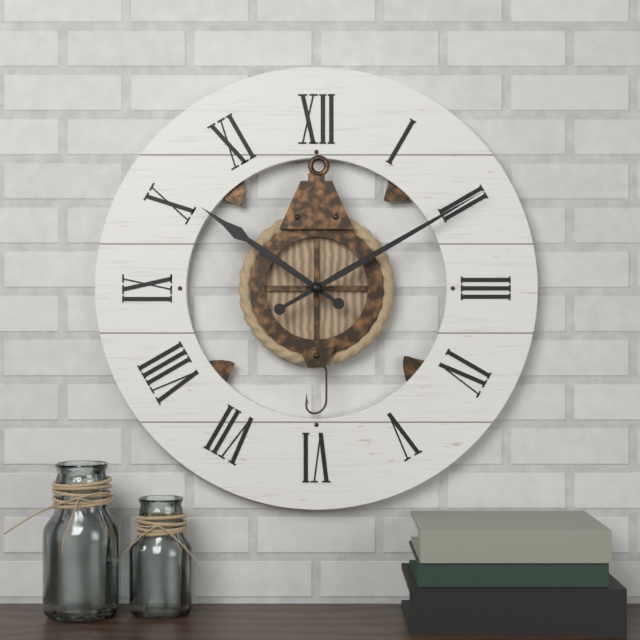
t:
10,10
